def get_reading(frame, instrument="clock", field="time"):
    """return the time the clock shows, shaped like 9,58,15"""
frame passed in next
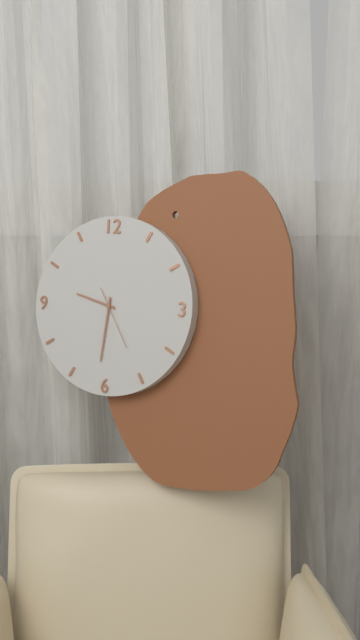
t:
9,31,25
